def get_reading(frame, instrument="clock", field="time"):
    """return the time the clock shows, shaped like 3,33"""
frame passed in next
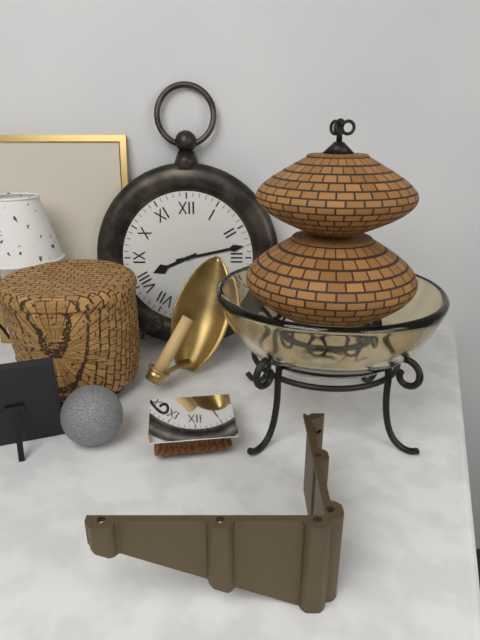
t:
8,13
